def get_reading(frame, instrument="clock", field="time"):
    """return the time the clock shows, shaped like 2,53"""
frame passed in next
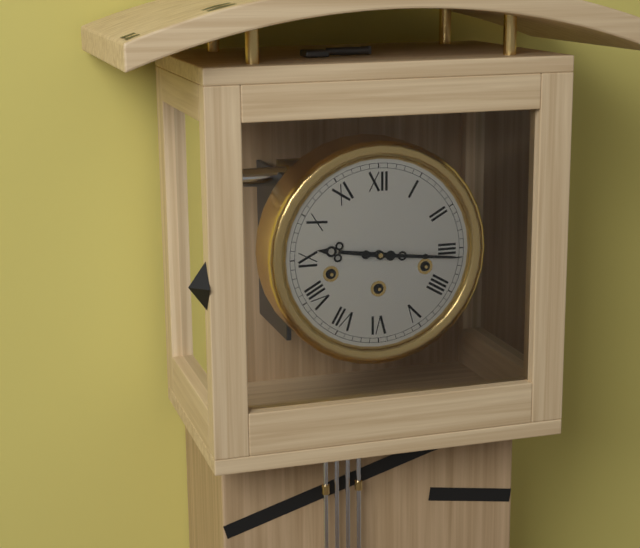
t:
9,16
